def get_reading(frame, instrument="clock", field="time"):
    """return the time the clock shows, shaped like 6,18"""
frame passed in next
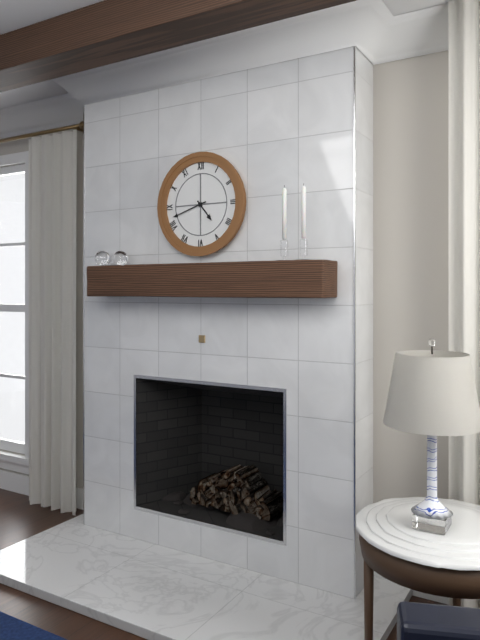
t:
4,42
